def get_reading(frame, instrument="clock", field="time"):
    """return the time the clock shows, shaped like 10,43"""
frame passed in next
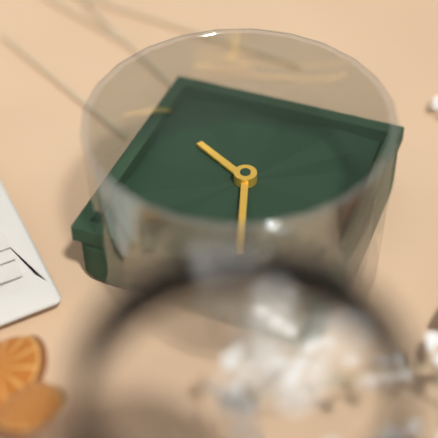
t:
3,57
